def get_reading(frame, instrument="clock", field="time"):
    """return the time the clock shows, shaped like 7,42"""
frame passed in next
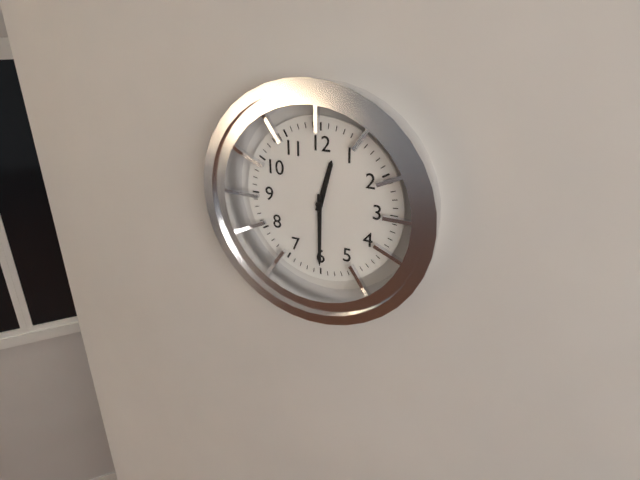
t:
12,30
